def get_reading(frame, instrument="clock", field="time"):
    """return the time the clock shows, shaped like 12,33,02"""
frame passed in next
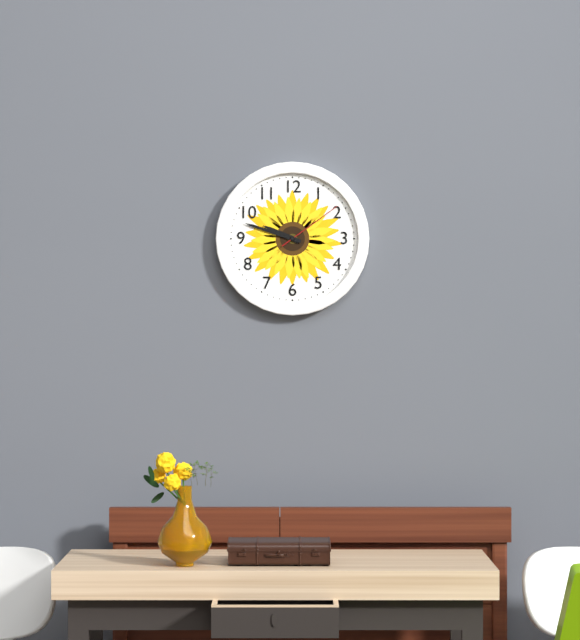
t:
9,48,09
